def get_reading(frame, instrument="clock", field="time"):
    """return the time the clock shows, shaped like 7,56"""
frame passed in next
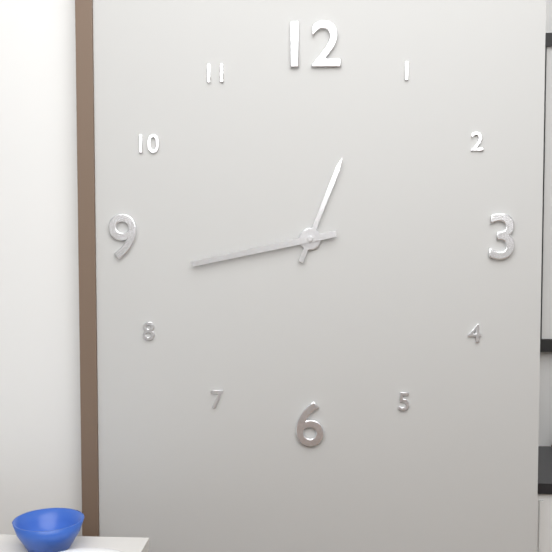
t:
12,43
